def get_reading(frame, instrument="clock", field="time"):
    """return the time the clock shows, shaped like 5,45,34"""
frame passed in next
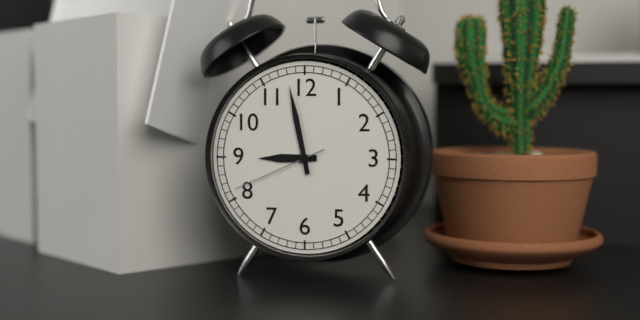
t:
8,58,41
